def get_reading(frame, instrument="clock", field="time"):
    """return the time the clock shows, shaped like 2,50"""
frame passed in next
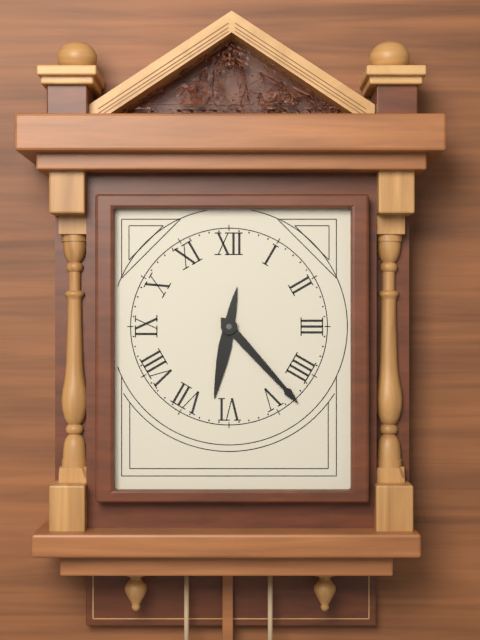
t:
6,23
